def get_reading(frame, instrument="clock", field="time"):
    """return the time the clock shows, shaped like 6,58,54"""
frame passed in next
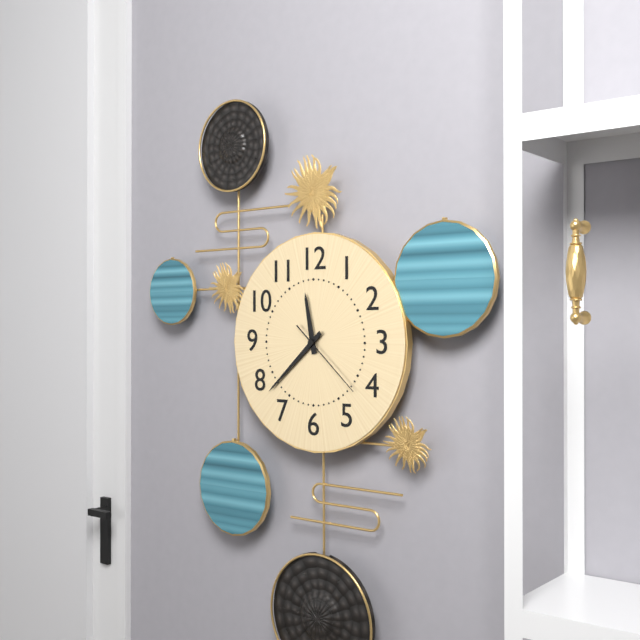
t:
11,38,22
